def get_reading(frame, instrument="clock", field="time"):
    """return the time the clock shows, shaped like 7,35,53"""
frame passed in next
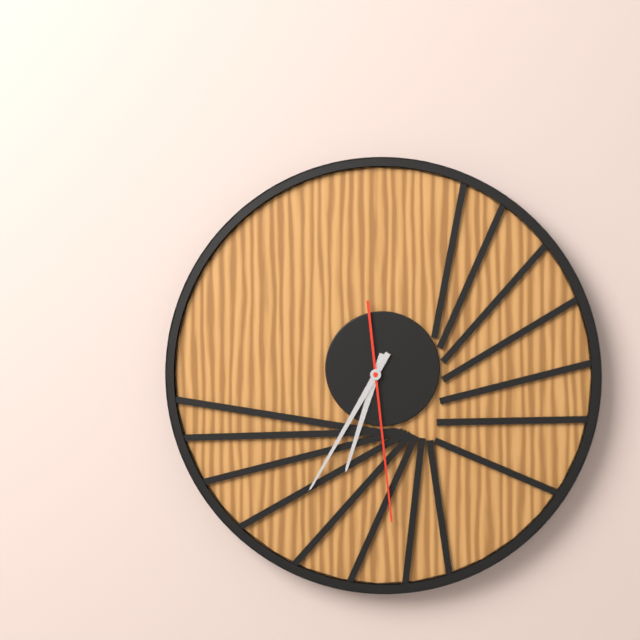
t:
6,35,29
